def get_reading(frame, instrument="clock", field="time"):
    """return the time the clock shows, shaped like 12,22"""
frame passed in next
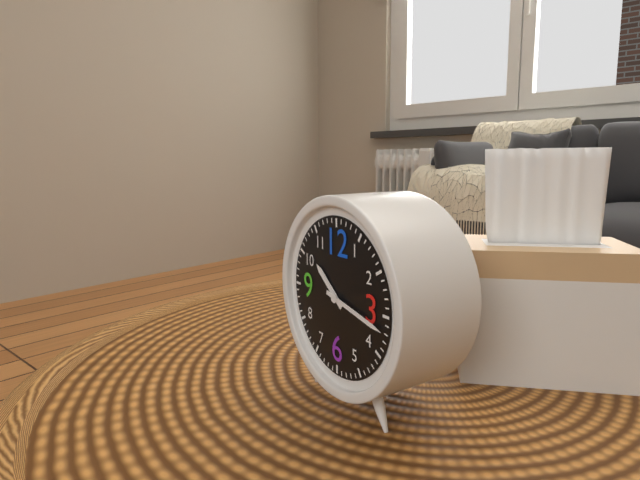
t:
10,17
